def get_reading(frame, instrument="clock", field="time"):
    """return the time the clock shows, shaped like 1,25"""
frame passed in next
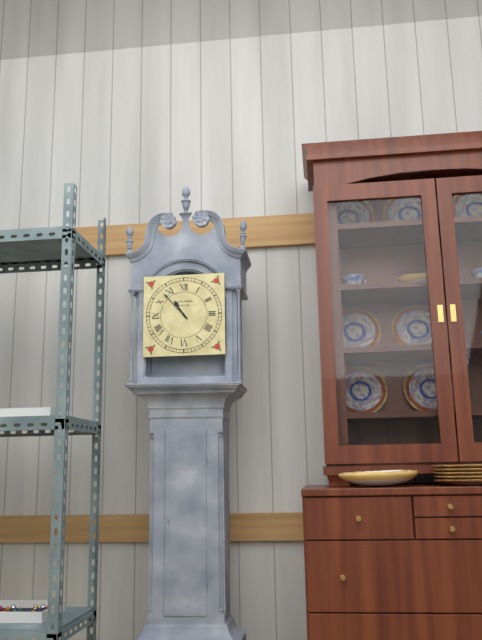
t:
10,53
